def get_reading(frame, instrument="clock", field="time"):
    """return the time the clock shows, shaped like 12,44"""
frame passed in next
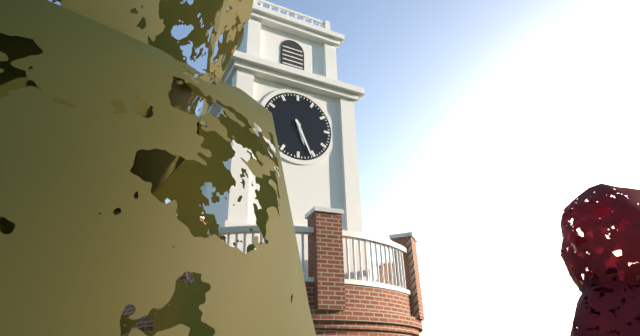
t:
5,26
